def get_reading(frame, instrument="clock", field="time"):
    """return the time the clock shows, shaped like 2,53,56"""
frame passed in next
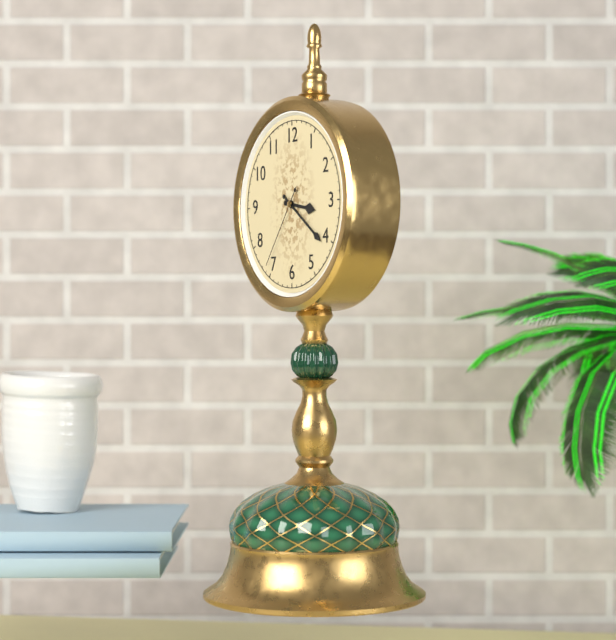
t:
3,21,36
